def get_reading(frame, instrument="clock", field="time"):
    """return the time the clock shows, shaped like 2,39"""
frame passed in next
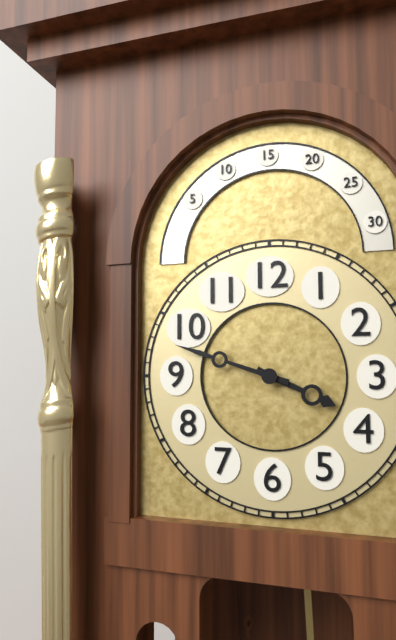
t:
3,48
